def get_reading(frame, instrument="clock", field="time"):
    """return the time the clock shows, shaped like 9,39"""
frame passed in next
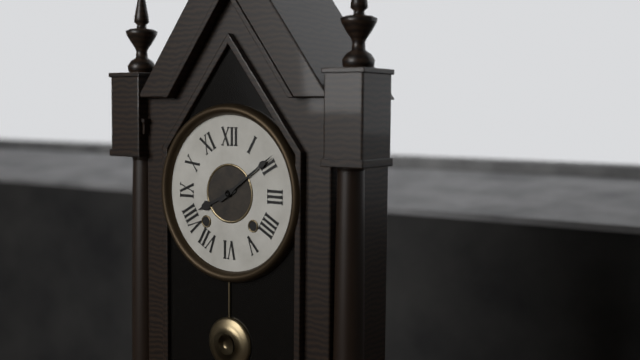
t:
8,09
